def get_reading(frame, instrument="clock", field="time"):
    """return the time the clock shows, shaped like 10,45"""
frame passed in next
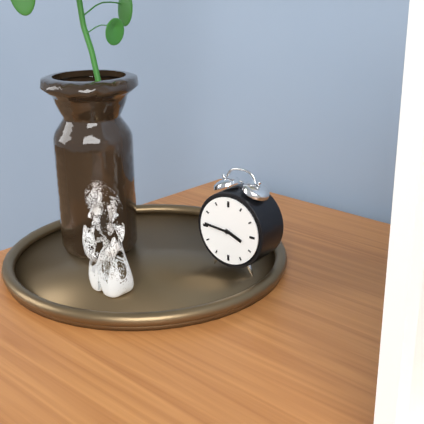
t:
3,46
